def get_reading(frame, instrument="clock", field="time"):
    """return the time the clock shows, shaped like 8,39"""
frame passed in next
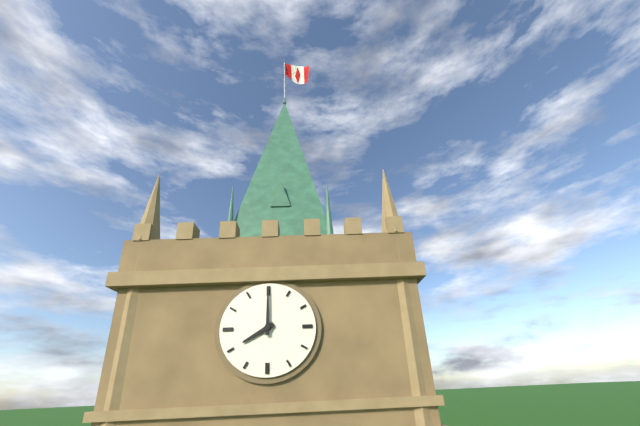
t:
8,00
